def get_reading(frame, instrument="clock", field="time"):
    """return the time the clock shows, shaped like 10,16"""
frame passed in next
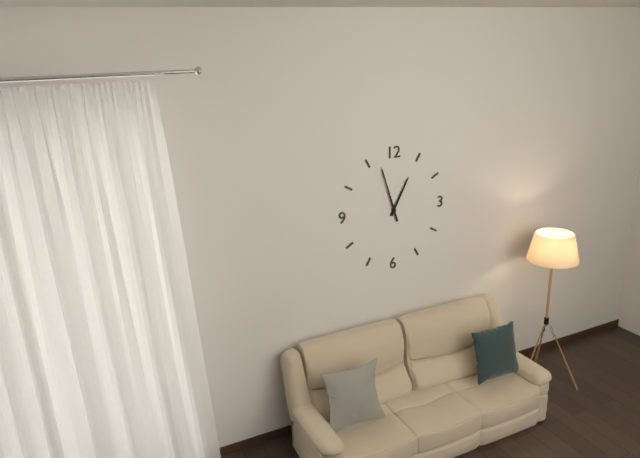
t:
12,57
